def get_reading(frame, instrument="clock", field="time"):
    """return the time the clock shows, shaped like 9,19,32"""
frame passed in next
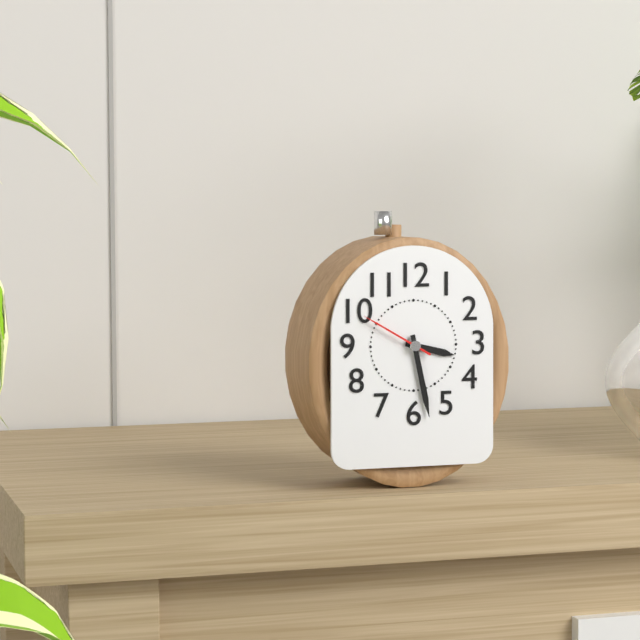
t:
3,28,50
